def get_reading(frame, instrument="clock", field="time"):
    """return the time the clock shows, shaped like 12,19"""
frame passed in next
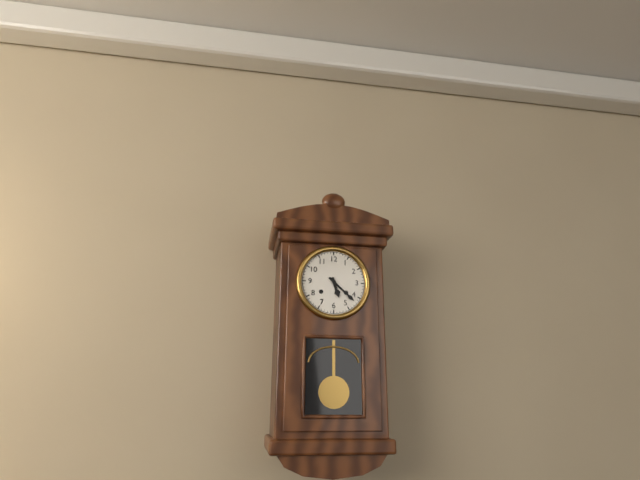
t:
5,22
